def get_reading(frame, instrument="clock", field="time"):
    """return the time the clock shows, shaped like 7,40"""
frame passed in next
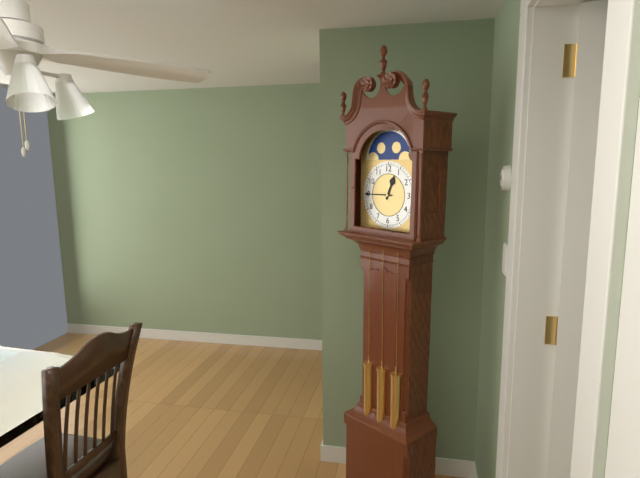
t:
12,45
